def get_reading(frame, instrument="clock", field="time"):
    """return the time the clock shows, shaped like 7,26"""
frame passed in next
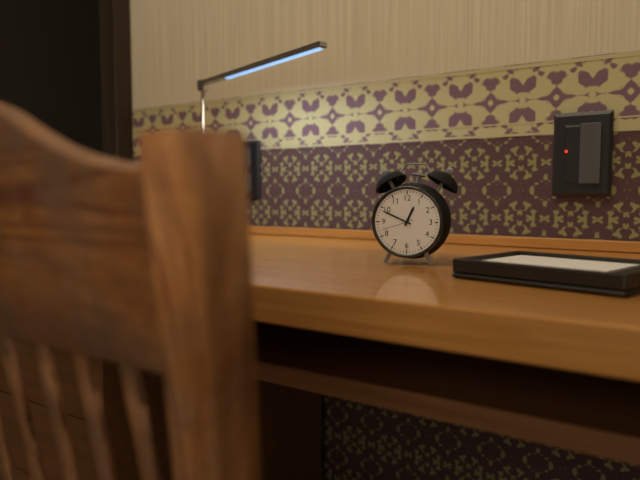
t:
12,49
